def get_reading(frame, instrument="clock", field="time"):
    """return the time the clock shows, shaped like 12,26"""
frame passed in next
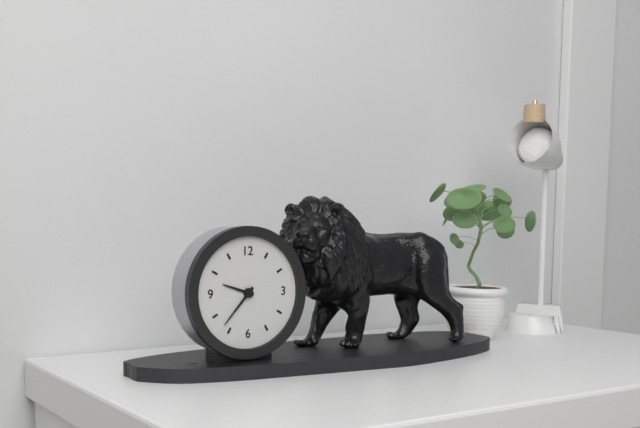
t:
9,37
